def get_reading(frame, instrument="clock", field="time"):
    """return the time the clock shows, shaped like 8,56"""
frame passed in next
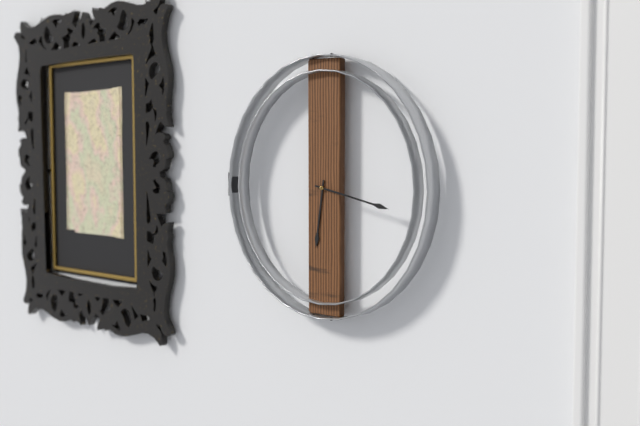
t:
6,17
